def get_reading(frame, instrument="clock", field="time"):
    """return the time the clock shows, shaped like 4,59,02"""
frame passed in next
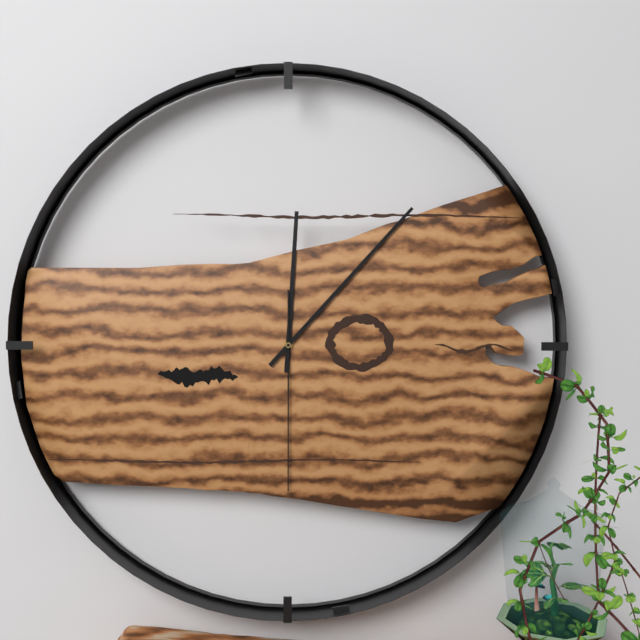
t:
12,07,30
